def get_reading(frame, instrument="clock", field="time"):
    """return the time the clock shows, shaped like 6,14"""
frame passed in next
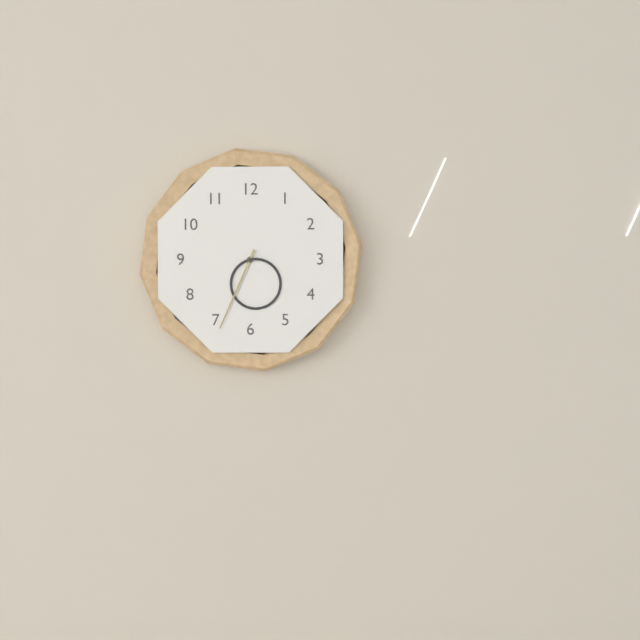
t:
5,34
